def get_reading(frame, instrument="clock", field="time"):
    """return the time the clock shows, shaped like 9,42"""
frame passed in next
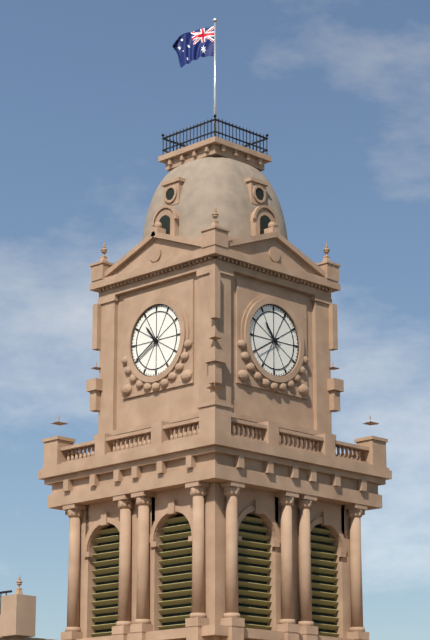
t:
10,40
